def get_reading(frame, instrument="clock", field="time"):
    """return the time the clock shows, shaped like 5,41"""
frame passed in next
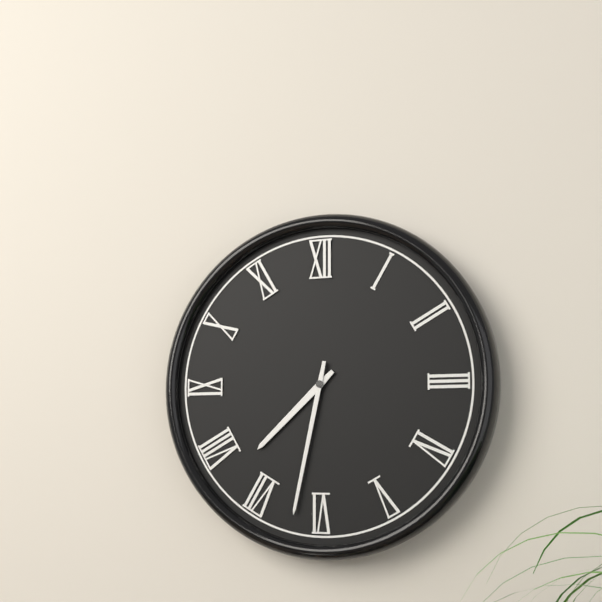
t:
7,32
